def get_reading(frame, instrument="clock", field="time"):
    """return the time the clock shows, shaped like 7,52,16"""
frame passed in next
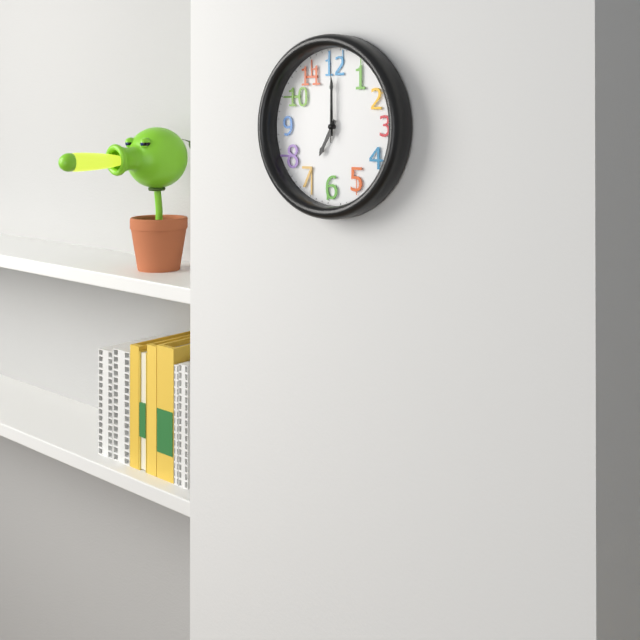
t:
7,00,00
